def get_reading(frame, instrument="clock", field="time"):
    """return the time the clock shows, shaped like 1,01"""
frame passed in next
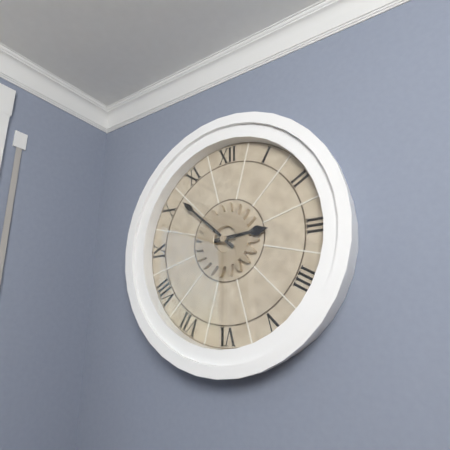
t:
2,52
